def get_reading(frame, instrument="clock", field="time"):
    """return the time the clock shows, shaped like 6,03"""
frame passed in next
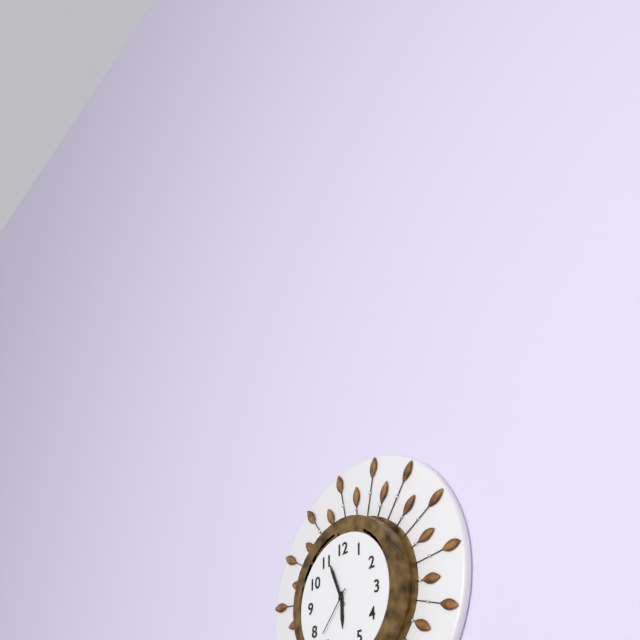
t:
5,56
